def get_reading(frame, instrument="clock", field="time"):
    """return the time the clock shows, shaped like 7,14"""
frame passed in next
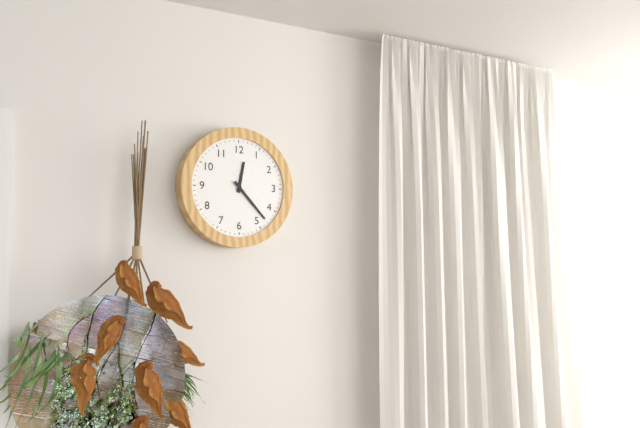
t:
12,23
